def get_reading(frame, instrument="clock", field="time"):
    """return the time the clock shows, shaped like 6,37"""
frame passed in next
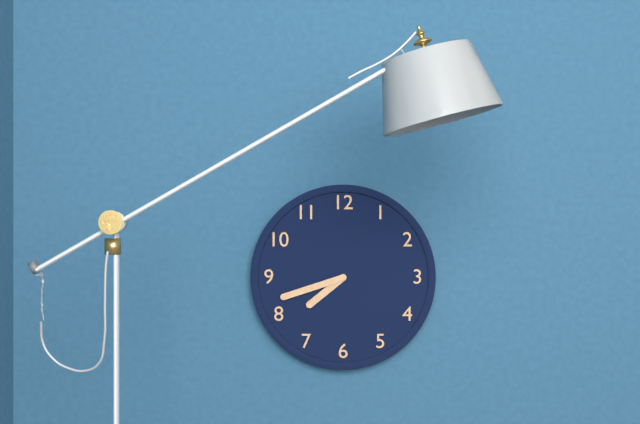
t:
7,42
